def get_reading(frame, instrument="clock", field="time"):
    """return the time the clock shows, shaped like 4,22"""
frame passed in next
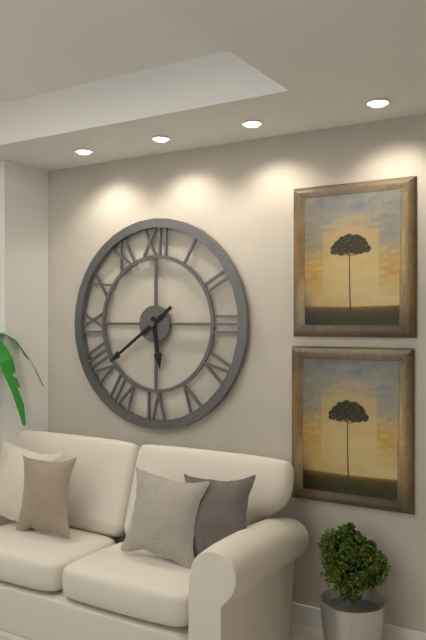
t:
5,39
